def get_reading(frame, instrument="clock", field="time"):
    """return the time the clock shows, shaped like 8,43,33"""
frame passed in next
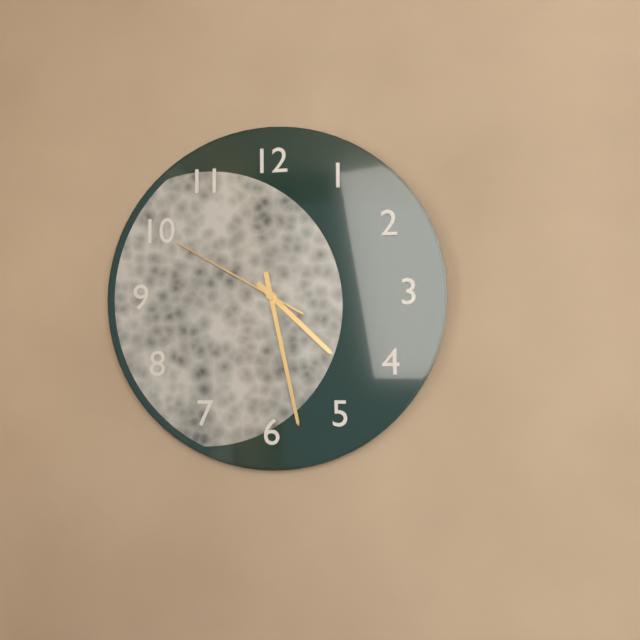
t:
4,28,50
